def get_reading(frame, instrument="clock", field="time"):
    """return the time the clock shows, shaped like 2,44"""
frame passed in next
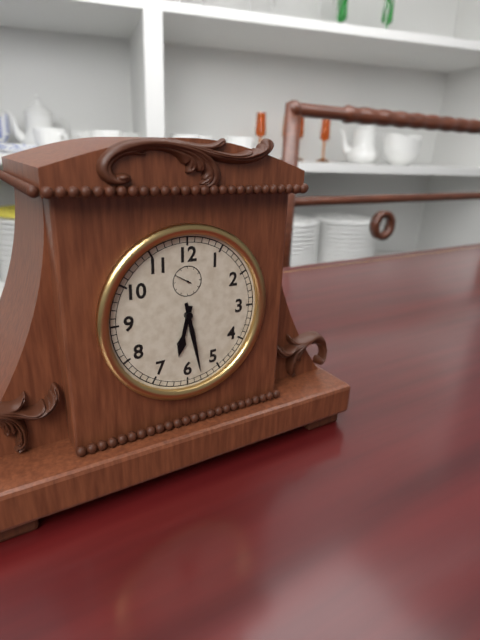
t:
6,28
